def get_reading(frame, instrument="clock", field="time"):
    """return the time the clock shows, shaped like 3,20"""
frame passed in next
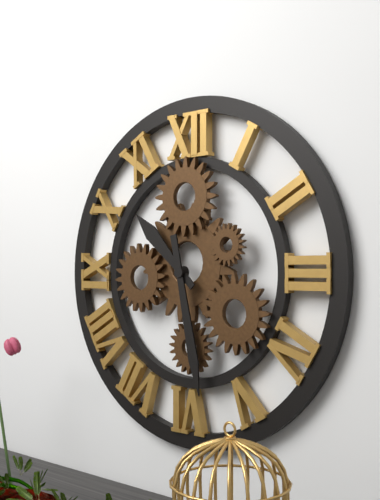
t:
10,28
